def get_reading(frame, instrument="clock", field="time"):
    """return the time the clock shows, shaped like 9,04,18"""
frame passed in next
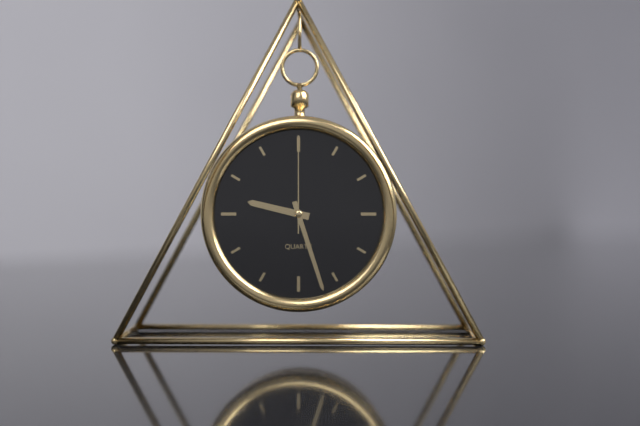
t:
9,27,00
